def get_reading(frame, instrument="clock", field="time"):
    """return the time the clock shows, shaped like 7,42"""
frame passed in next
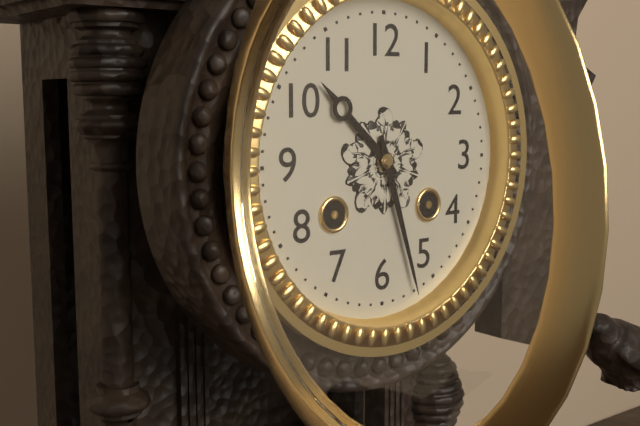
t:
10,27
